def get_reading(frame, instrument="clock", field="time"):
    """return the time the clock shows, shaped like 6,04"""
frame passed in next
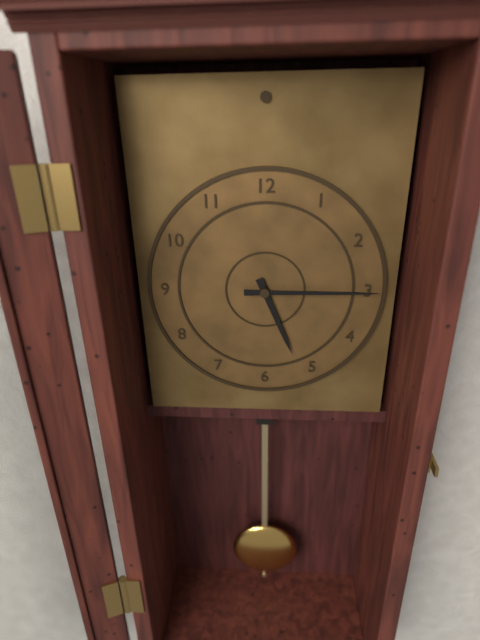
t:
5,15
